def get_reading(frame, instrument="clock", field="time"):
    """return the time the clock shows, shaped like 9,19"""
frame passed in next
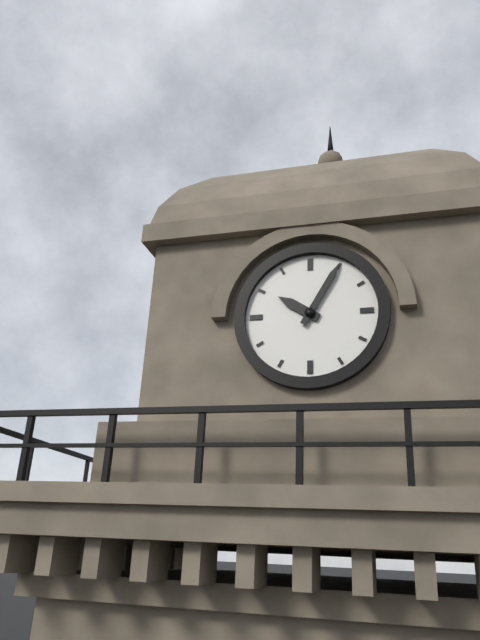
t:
10,05
